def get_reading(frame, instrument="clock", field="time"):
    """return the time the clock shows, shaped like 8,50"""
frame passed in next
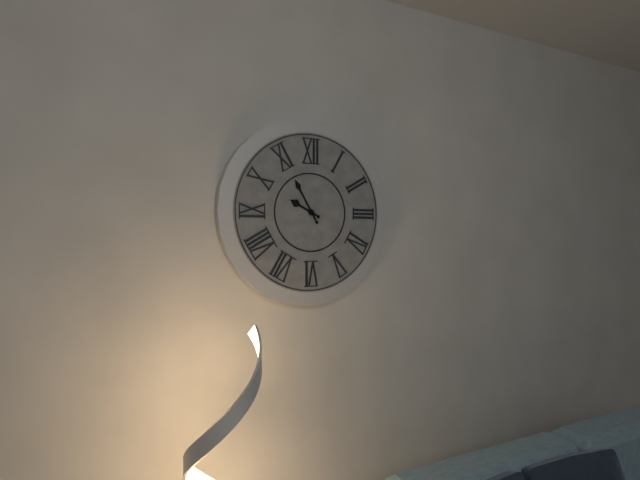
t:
9,55
